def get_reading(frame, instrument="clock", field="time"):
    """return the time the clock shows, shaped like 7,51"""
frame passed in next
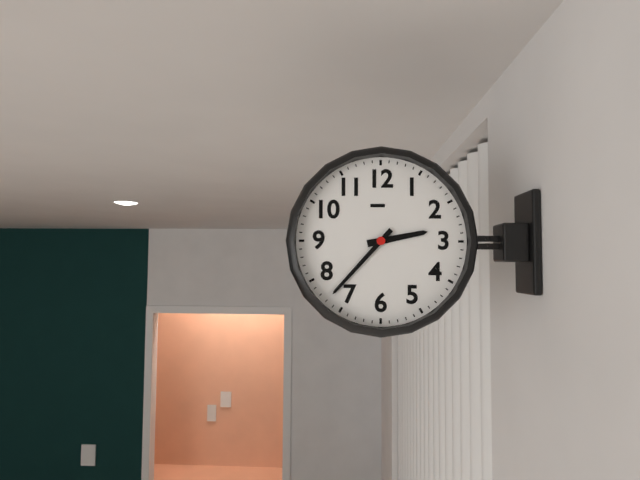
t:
2,37
